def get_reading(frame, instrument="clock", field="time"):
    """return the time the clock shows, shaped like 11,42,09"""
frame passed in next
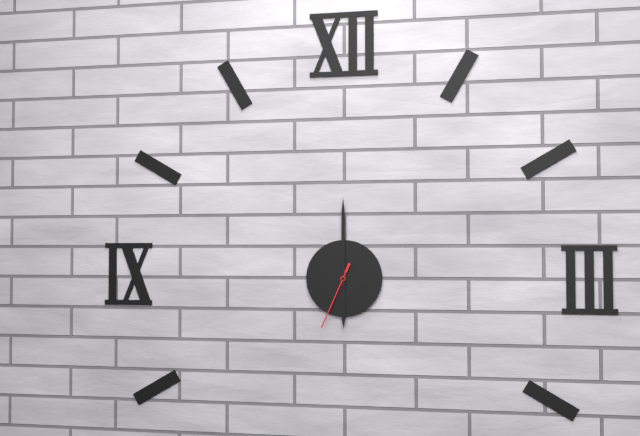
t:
6,00,34
